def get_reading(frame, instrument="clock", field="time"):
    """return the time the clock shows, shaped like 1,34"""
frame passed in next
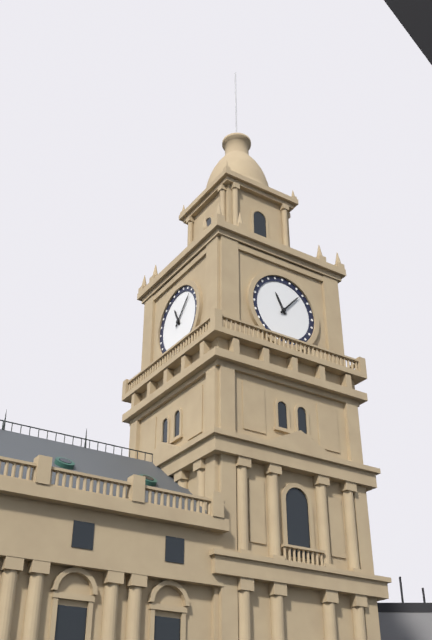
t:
11,07
